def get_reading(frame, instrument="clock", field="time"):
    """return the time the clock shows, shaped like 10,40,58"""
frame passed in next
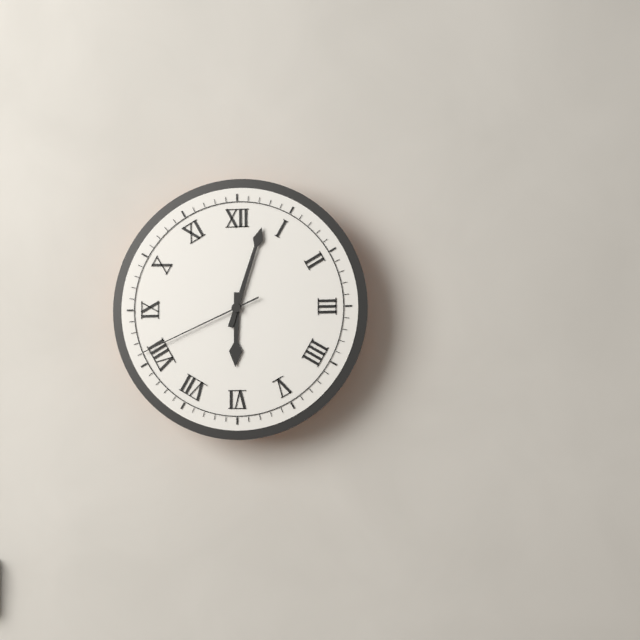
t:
6,03,41
